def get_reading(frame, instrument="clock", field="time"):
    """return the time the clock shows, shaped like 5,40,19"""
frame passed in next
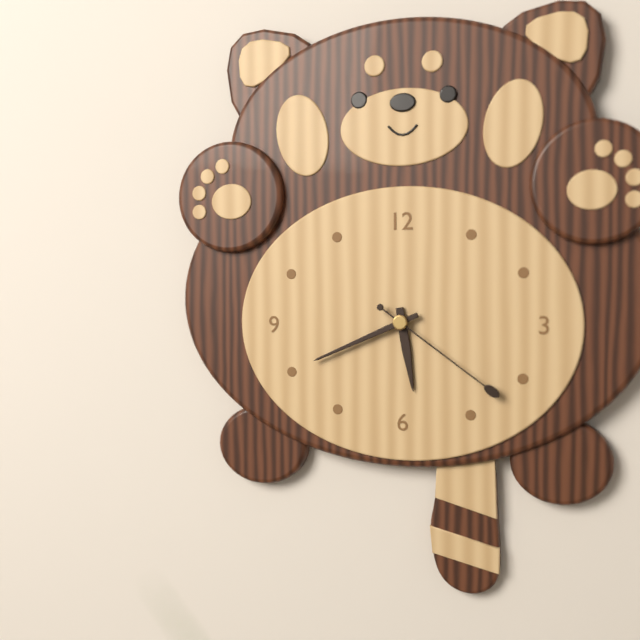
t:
5,41,21
